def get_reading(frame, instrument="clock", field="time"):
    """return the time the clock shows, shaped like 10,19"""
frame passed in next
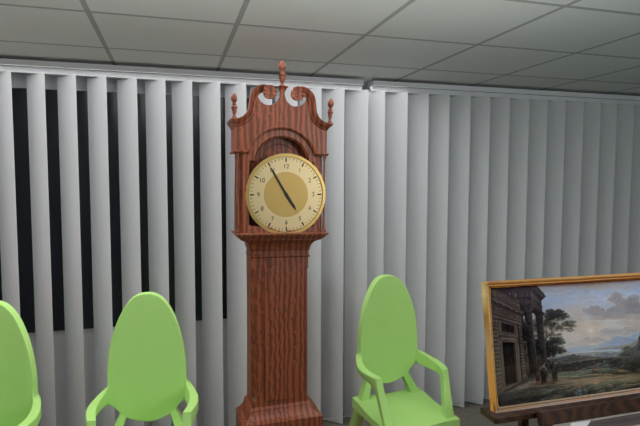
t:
4,55
